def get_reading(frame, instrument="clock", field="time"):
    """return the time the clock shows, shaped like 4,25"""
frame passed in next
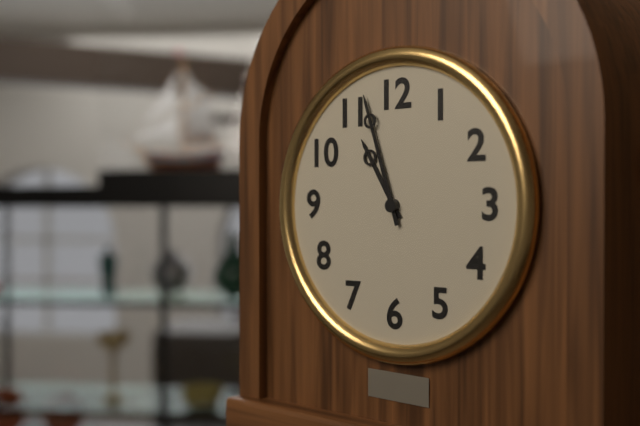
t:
10,57
